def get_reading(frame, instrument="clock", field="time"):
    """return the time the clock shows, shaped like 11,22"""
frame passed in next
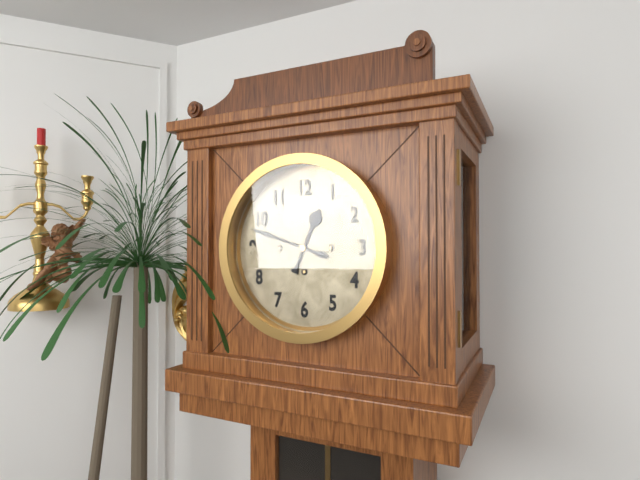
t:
12,48
